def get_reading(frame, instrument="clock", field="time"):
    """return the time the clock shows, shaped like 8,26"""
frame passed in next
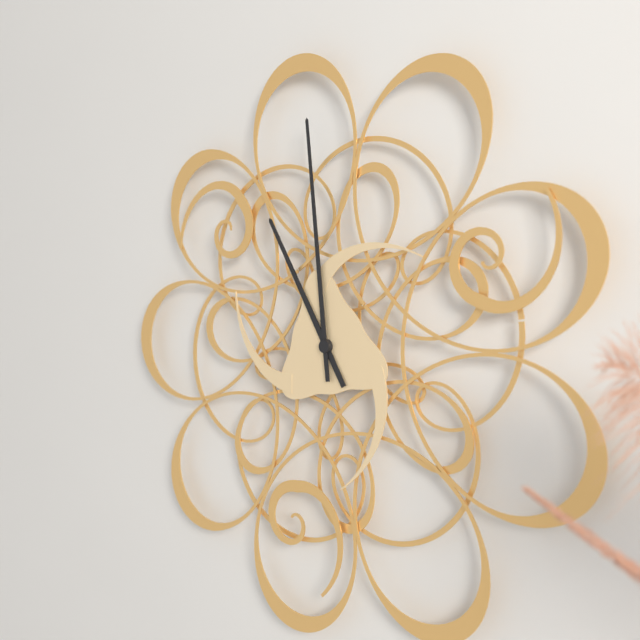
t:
10,59
